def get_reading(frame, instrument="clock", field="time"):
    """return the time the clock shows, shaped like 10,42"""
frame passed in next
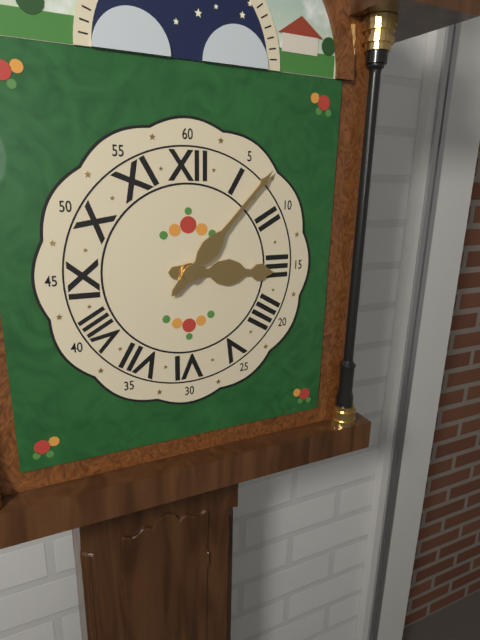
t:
3,07
